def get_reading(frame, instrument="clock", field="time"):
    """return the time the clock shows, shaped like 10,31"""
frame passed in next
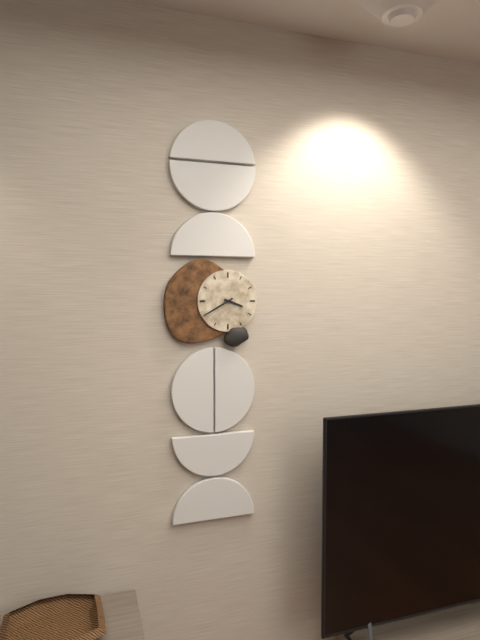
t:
3,40
